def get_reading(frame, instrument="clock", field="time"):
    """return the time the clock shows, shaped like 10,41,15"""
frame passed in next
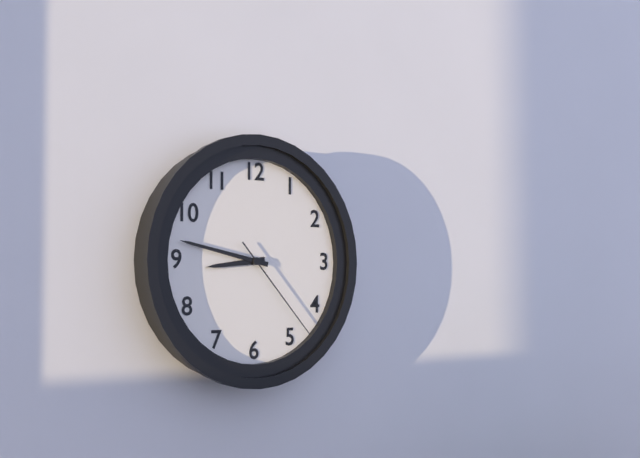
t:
8,47,23
